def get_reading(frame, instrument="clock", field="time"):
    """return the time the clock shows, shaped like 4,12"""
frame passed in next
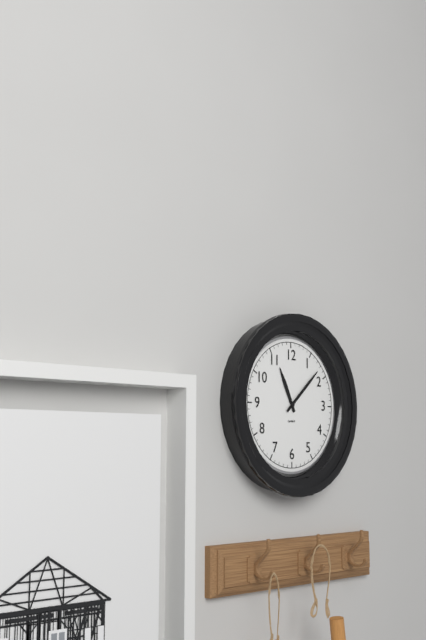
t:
11,08
